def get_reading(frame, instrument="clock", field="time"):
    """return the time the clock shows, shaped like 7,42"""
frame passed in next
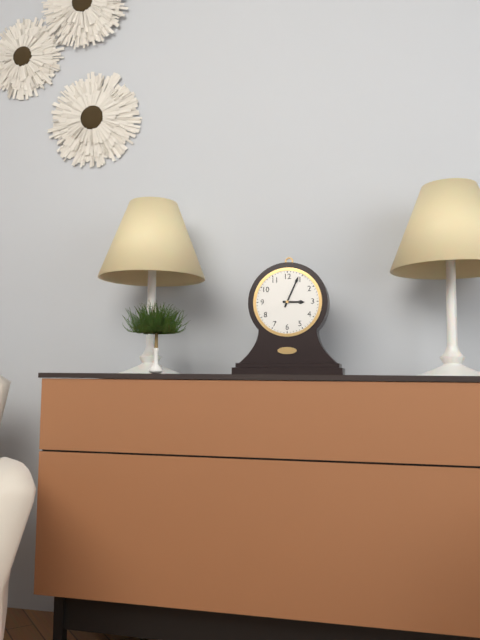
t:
3,04
